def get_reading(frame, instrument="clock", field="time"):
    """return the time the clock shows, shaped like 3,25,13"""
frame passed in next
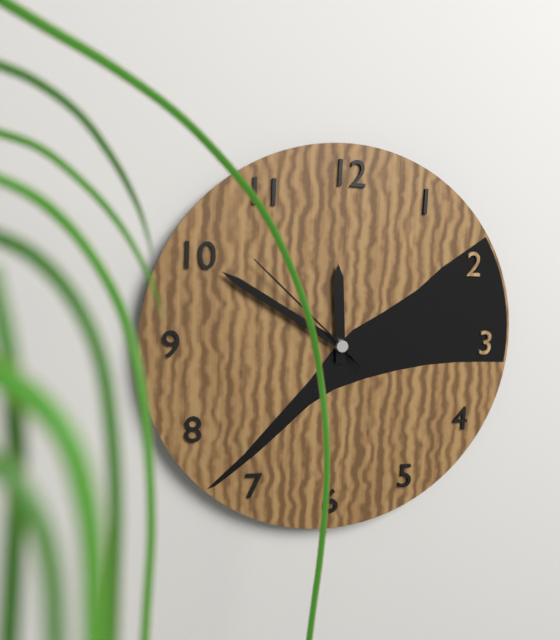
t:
11,50,52
